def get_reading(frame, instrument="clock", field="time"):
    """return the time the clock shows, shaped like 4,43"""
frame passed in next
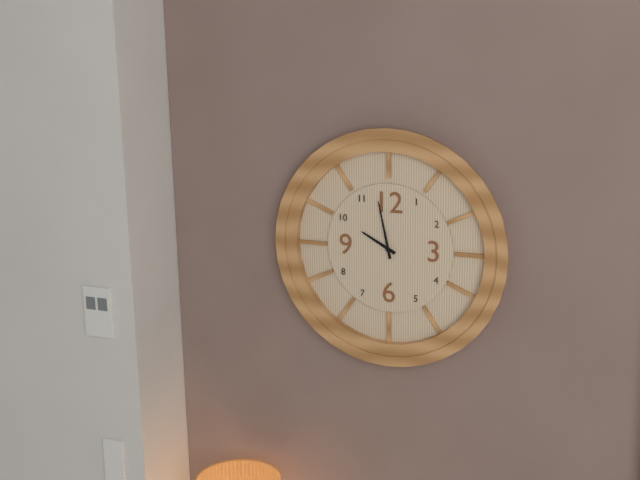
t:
9,58
